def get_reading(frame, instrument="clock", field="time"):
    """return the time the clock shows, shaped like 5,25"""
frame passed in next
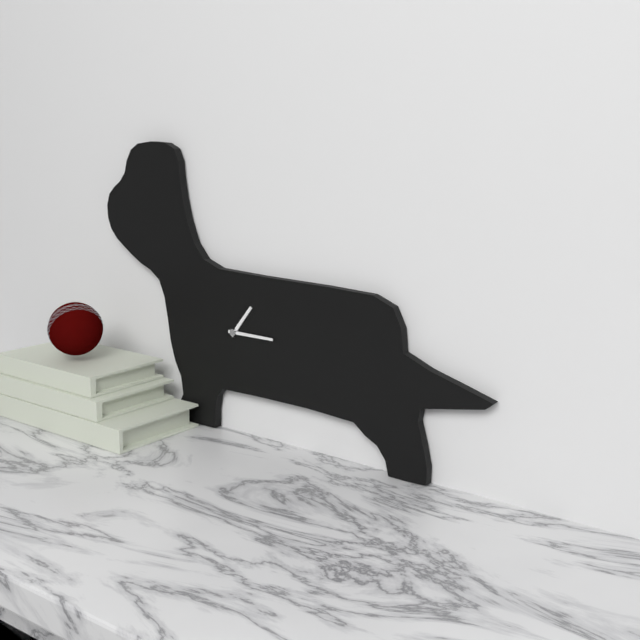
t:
1,15
